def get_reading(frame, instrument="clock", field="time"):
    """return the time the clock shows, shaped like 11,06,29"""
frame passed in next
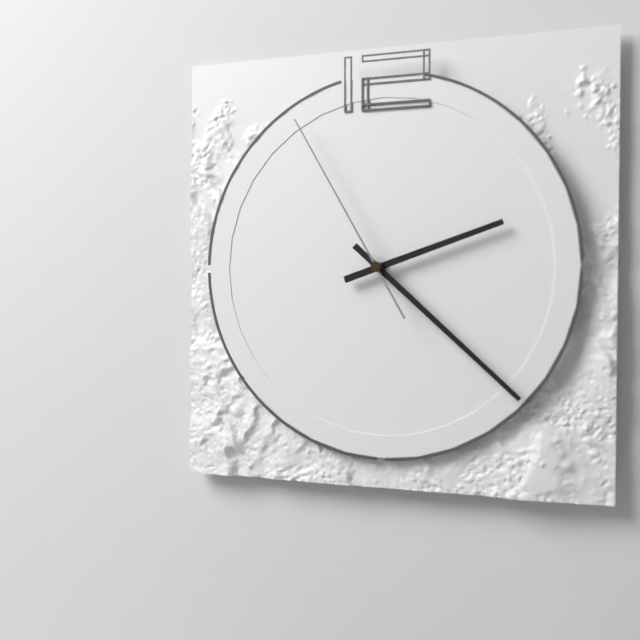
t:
2,22,55
